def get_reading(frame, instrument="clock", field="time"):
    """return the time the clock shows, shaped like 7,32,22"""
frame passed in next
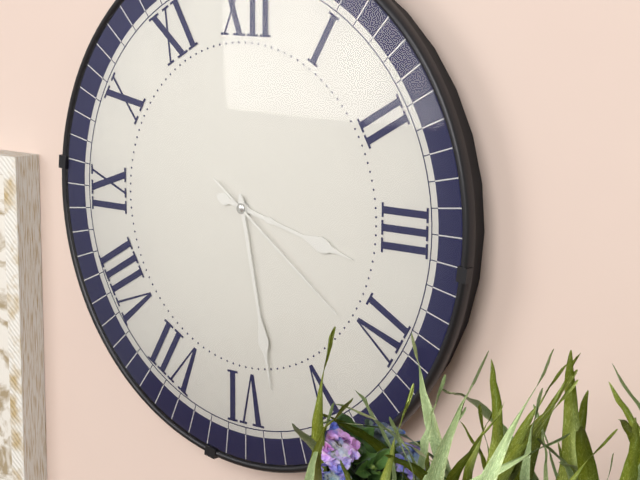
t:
3,28,21
